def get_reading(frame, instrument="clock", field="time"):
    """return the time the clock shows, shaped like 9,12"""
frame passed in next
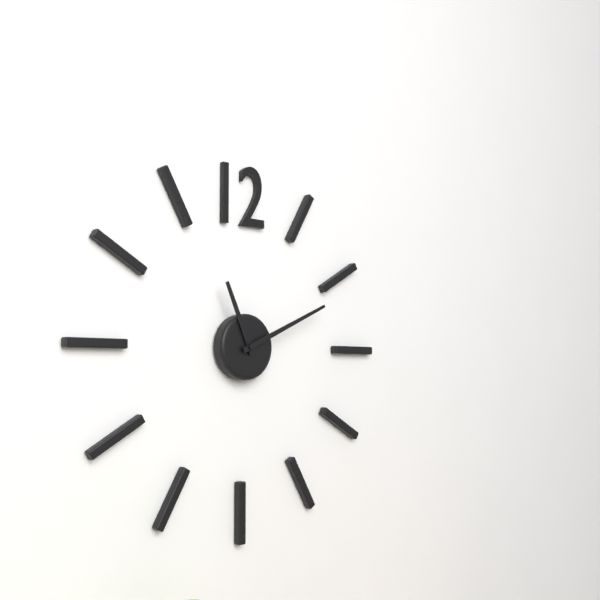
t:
11,11
